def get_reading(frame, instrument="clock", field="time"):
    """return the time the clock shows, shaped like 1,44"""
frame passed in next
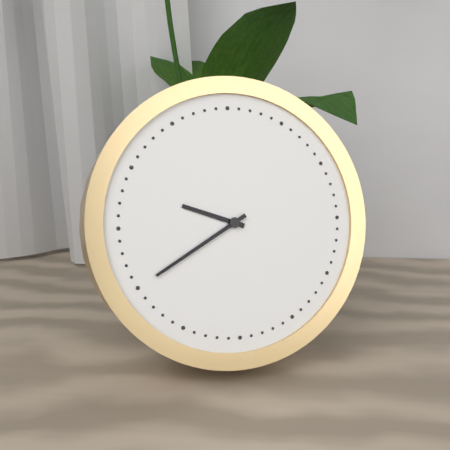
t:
9,40
